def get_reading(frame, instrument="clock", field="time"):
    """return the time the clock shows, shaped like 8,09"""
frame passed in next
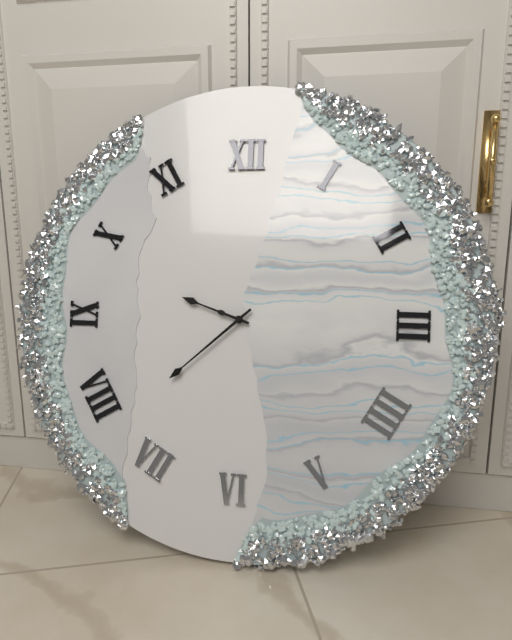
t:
9,38
